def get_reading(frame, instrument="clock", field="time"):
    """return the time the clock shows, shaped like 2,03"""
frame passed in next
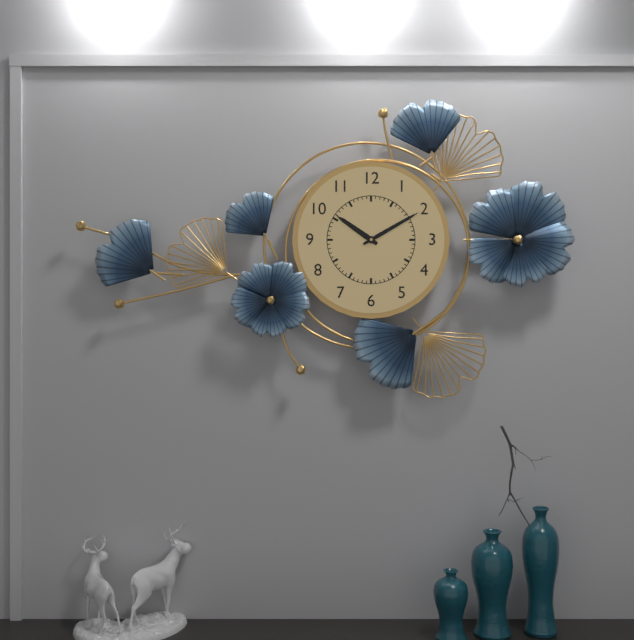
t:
10,10
